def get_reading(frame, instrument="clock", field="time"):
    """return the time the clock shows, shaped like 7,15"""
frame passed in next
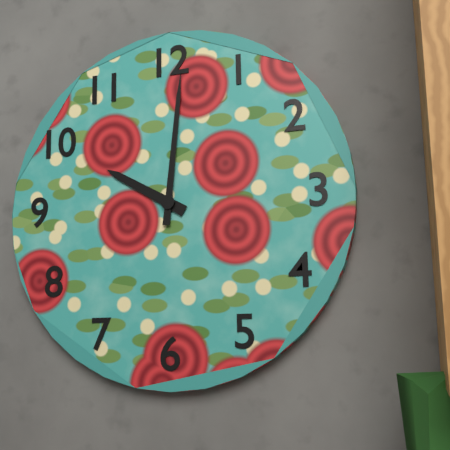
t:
10,01
